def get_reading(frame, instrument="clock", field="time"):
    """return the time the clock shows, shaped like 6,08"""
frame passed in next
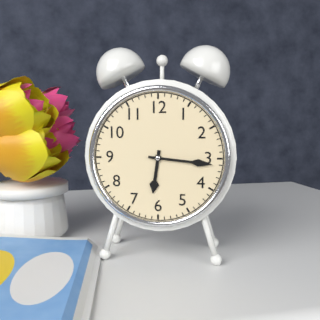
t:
6,16
